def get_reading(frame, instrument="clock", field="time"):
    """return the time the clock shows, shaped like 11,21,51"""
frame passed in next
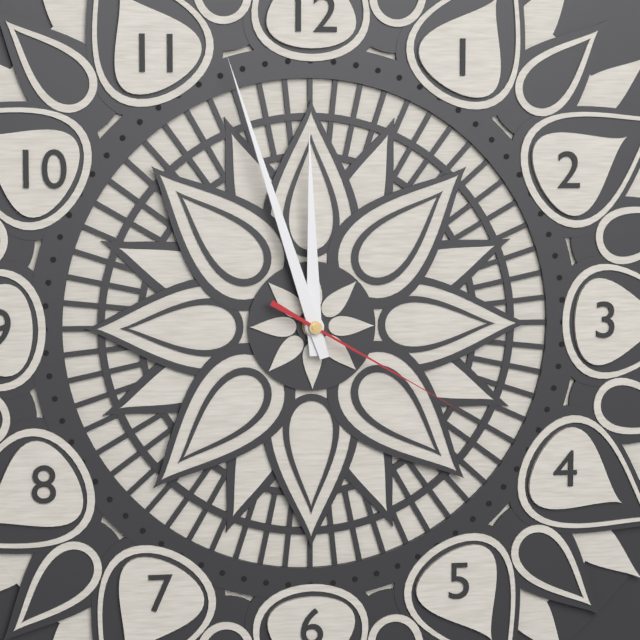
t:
11,57,20
